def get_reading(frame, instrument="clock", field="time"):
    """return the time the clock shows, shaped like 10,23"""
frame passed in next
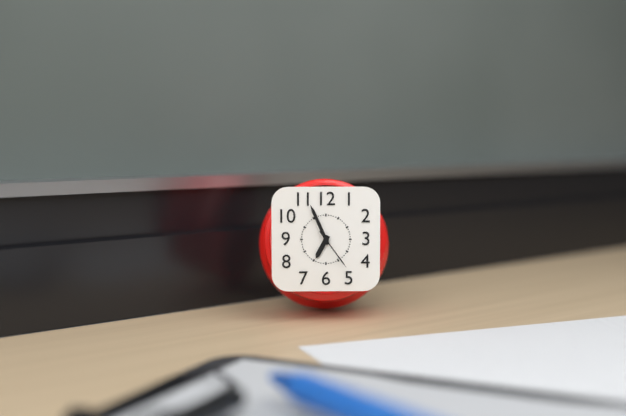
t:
6,56
